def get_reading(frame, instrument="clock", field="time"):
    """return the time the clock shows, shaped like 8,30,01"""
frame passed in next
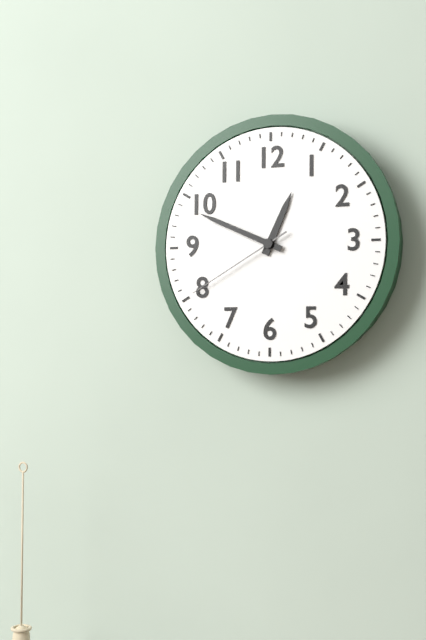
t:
12,49,40
